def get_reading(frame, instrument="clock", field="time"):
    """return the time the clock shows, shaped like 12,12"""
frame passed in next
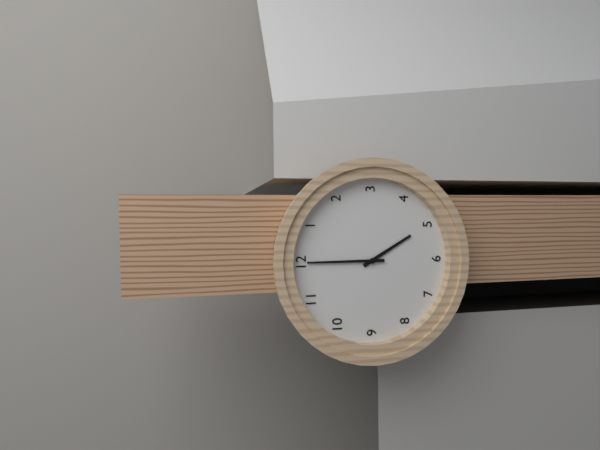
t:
5,00
